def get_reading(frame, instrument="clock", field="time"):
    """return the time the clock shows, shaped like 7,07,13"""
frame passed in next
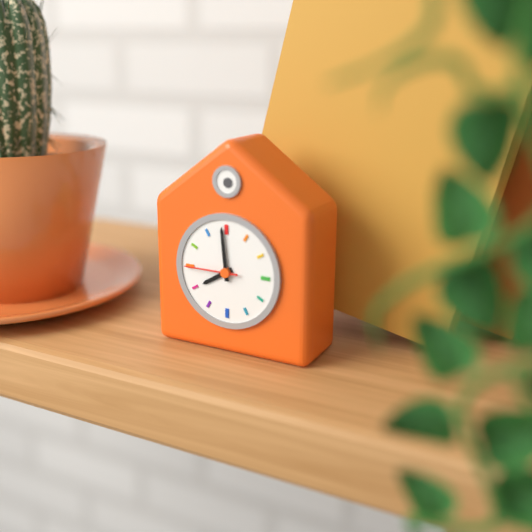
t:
7,59,45
